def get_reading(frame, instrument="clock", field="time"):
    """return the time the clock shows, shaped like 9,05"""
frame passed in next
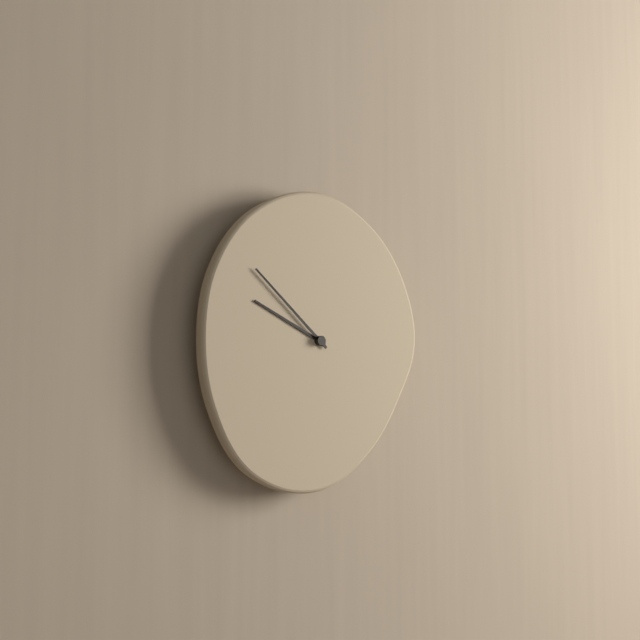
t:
9,52
